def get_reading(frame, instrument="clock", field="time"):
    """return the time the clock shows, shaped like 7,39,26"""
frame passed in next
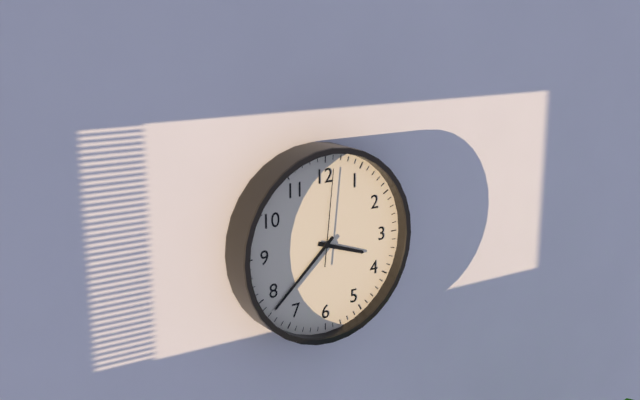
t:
3,38,01
